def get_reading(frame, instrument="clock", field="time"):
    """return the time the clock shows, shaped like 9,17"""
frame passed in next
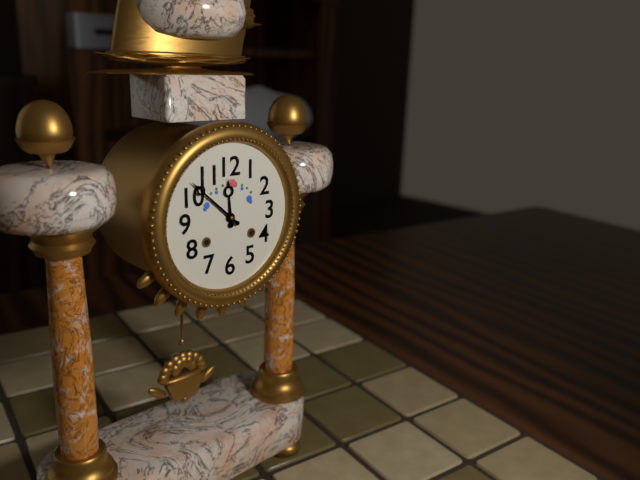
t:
11,52
